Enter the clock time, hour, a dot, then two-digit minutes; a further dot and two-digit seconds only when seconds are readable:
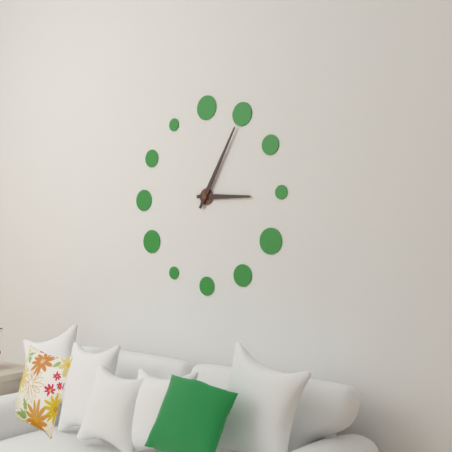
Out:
3.05
